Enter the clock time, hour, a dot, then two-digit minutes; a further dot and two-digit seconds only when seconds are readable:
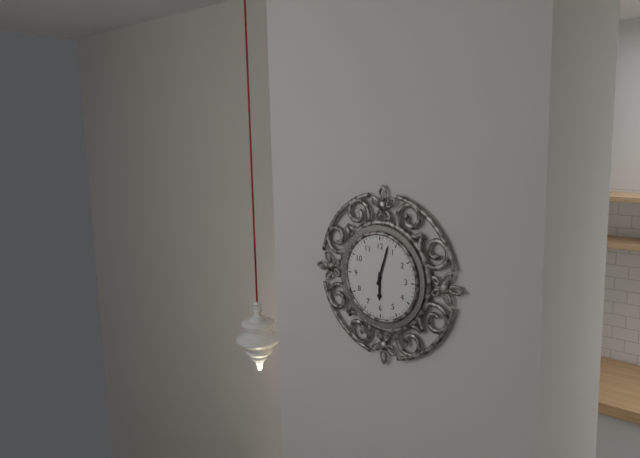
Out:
6.03
